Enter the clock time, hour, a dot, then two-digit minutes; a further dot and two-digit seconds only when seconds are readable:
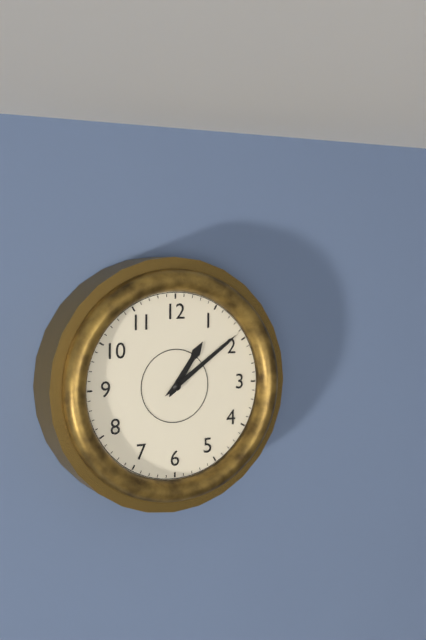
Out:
1.09
